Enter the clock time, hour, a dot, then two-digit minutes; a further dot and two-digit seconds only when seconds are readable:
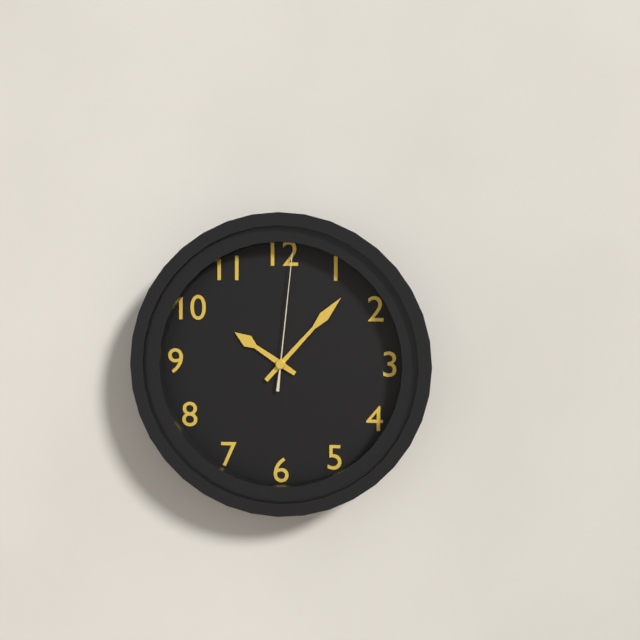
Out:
10.07.01
